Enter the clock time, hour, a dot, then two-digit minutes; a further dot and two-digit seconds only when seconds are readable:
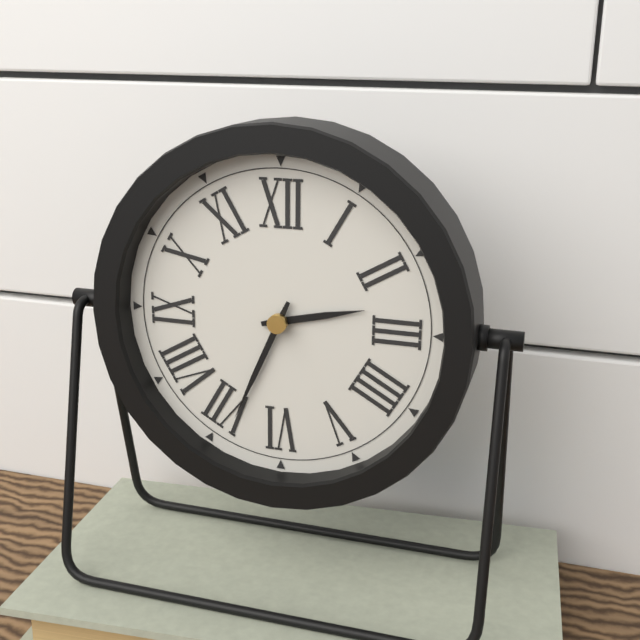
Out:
2.34
